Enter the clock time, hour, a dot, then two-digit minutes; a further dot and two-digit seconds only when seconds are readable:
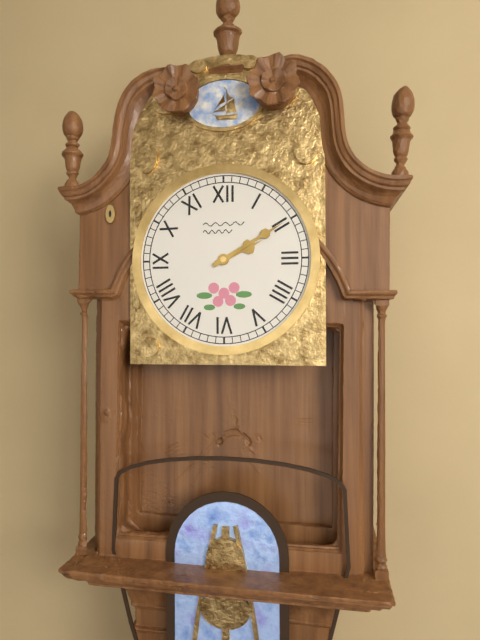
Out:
2.10
